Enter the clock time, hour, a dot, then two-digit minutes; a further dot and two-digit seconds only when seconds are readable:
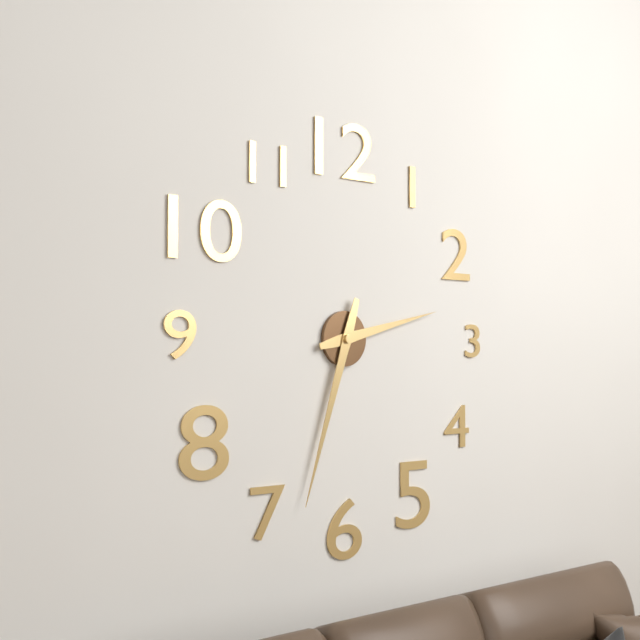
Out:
2.33
